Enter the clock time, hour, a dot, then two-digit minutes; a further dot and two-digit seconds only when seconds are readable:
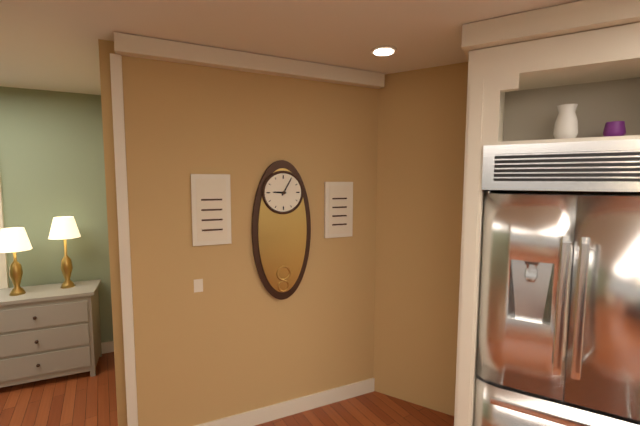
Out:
9.05
